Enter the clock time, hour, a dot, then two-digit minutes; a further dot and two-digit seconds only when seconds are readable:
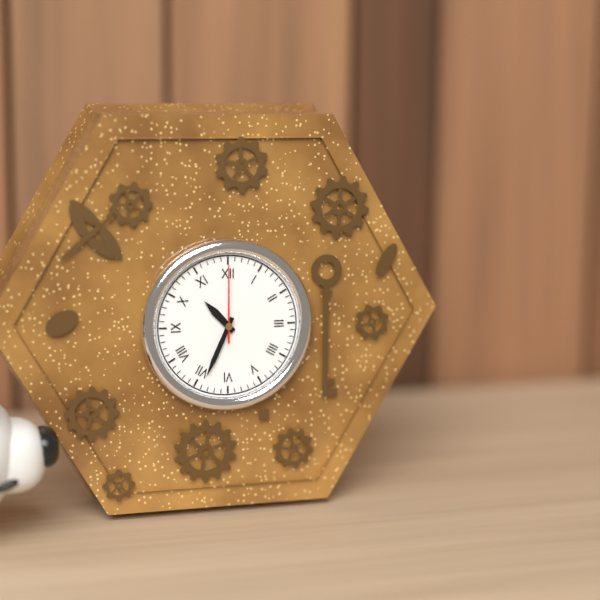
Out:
10.34.00
